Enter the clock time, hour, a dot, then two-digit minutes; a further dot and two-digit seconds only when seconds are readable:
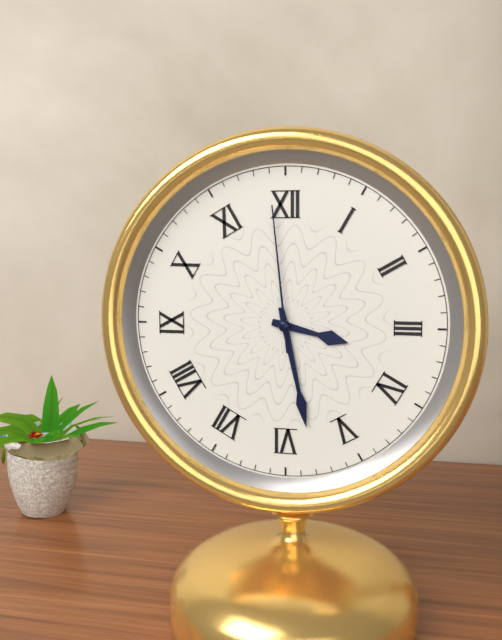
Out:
3.28.59
